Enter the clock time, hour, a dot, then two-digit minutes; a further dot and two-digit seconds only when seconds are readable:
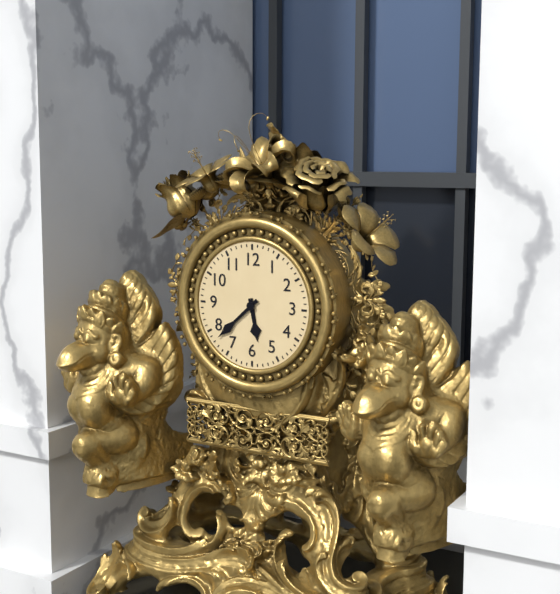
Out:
5.38
